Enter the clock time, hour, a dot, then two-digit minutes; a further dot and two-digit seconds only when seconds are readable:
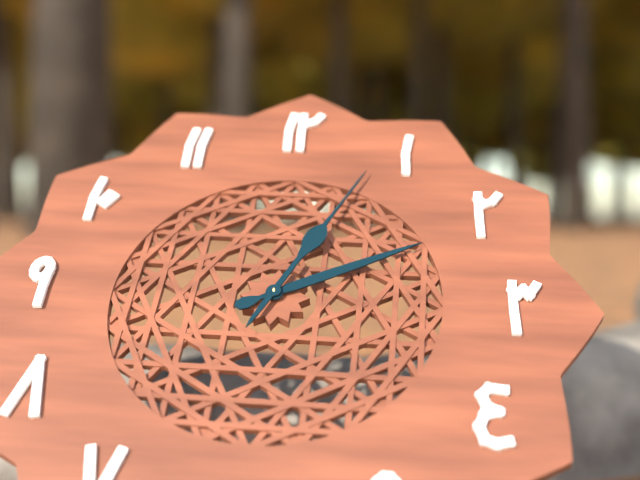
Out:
2.04
